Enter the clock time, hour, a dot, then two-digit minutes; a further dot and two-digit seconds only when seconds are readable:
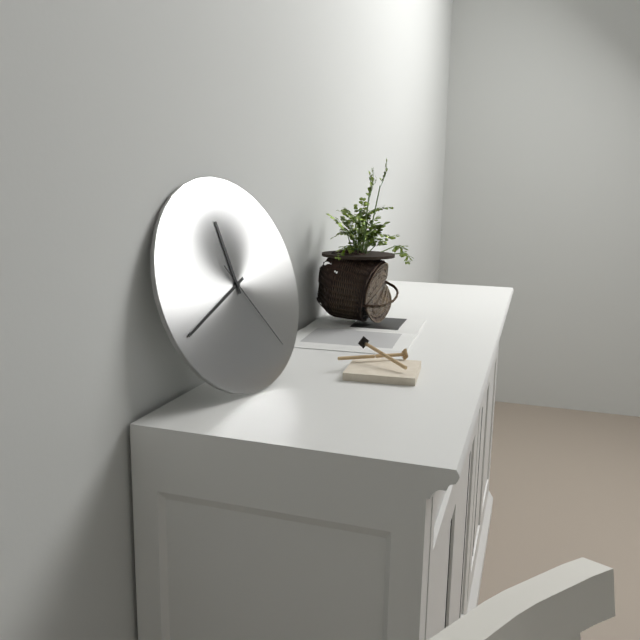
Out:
11.41.24
